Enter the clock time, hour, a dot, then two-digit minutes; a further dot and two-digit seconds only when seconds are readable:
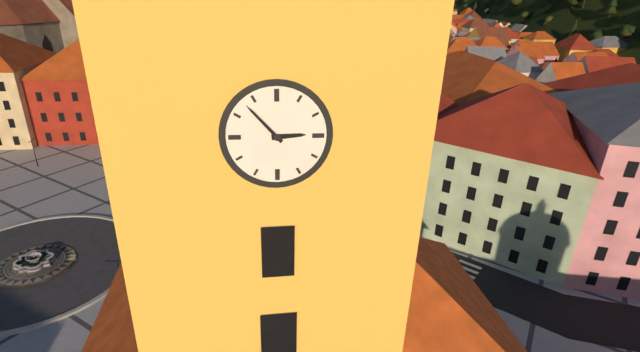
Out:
2.53
